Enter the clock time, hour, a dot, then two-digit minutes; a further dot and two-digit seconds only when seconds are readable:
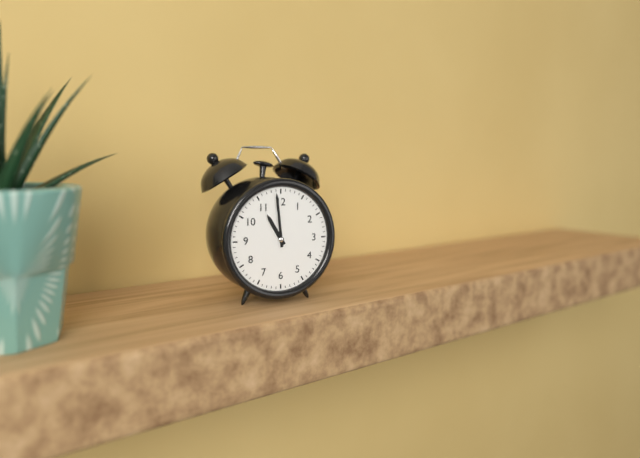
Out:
10.59
